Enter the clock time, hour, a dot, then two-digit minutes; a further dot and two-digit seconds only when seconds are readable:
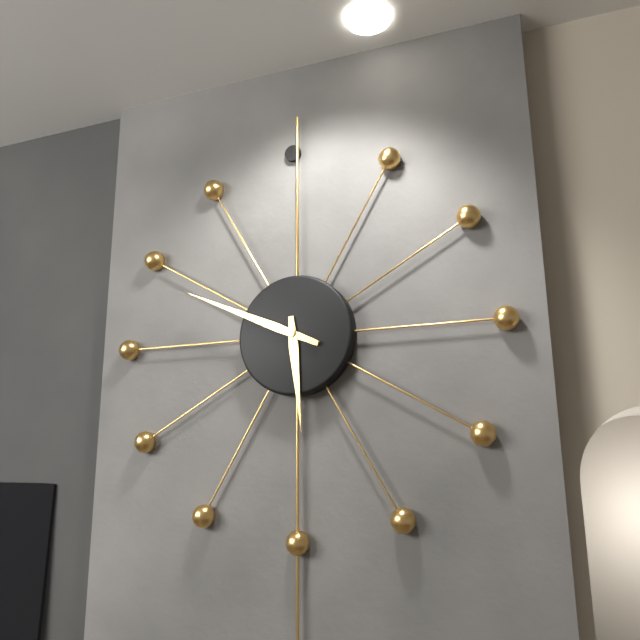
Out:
5.49
